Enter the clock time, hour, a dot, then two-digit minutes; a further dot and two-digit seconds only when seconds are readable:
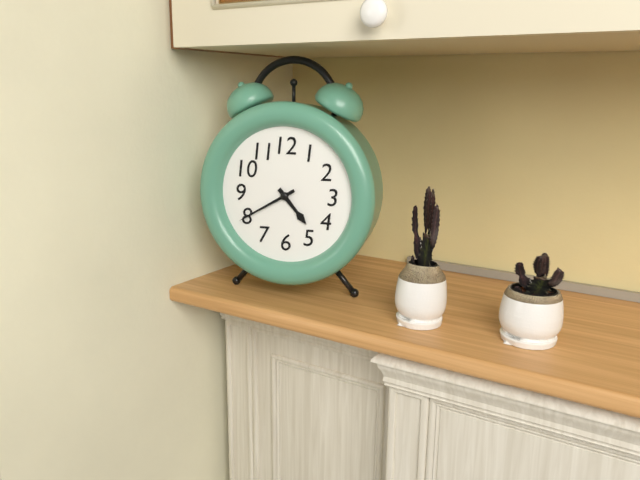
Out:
4.40
